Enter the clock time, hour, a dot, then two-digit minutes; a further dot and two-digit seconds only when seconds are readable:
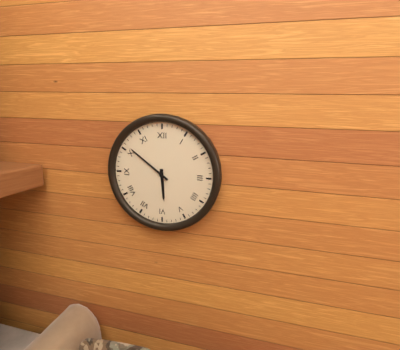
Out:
5.51
